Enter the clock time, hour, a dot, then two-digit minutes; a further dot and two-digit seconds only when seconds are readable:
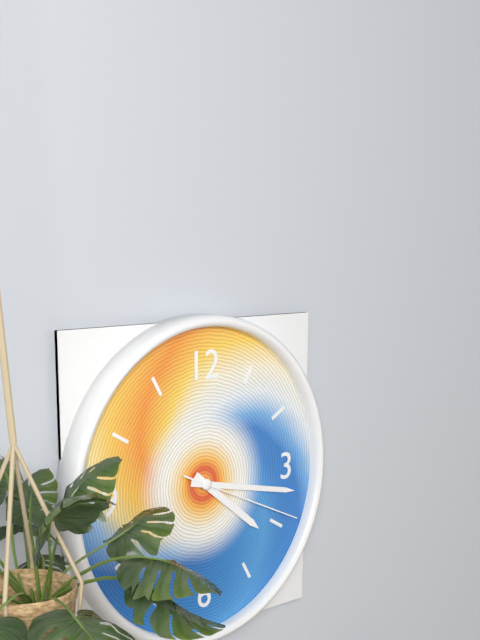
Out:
4.17.19
